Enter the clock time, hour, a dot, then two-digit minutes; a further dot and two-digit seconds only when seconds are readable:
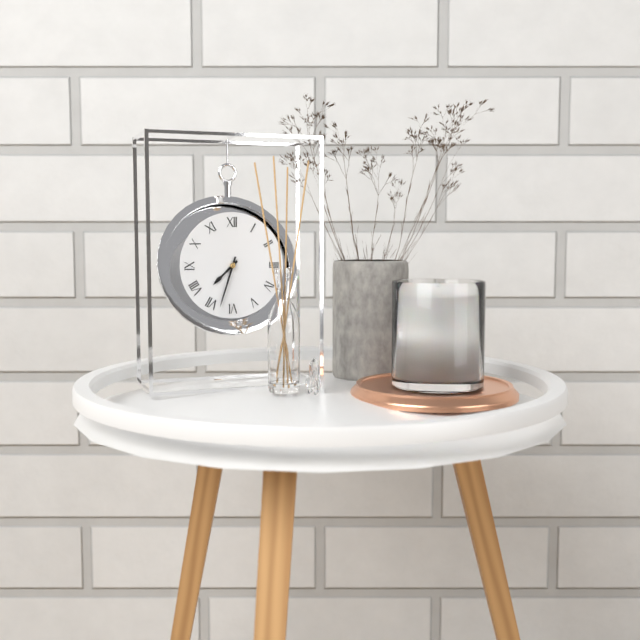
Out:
7.33
